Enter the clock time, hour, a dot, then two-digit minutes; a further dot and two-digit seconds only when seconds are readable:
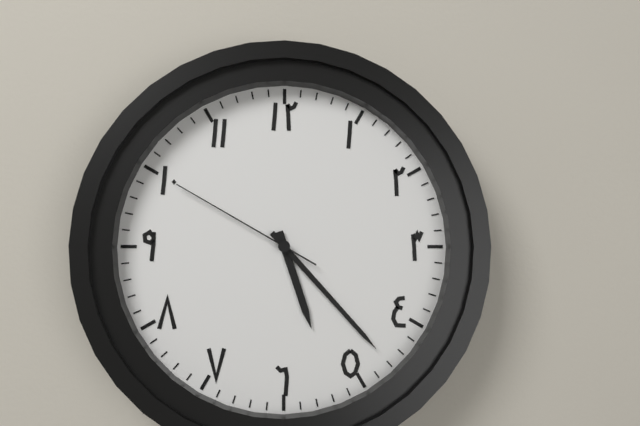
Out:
5.23.50
